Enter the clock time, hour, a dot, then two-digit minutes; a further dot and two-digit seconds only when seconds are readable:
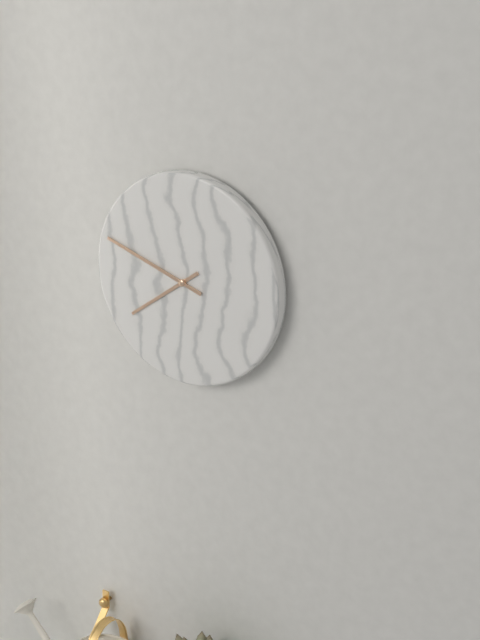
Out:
7.48
